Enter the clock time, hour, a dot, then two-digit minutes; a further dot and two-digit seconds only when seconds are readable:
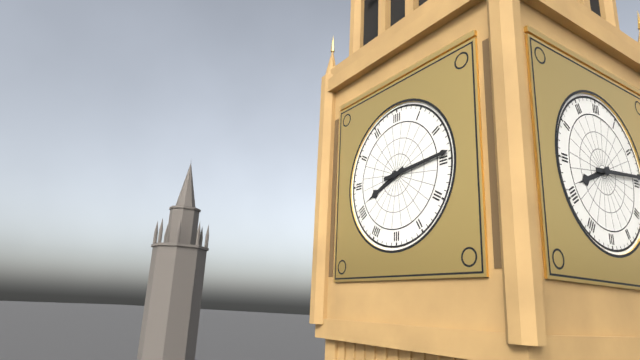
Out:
8.14
